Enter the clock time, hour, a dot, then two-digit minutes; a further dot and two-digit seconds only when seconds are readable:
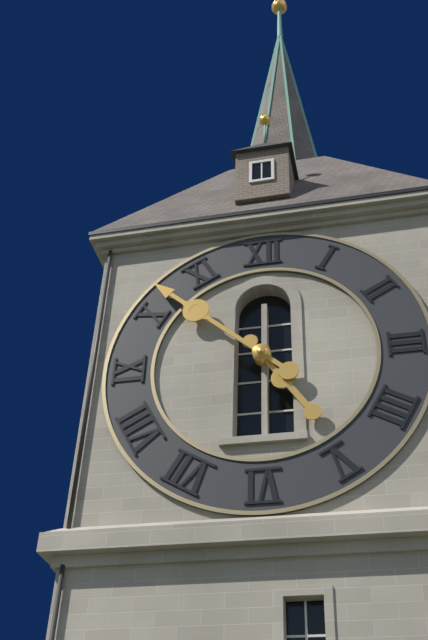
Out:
4.52
